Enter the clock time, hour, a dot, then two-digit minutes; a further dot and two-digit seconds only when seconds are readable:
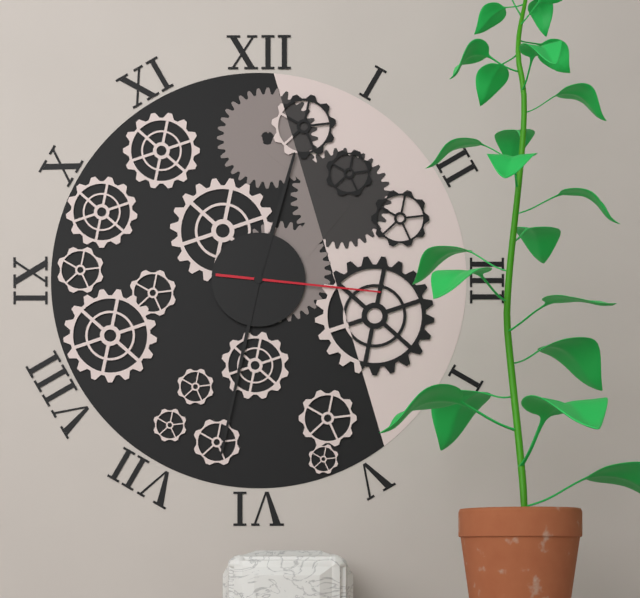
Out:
12.32.16
